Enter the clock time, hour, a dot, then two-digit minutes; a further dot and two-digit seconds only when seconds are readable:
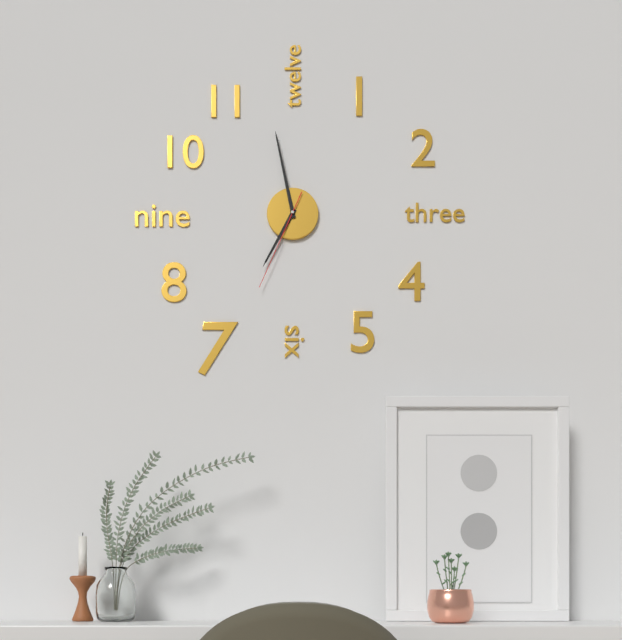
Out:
6.58.34
